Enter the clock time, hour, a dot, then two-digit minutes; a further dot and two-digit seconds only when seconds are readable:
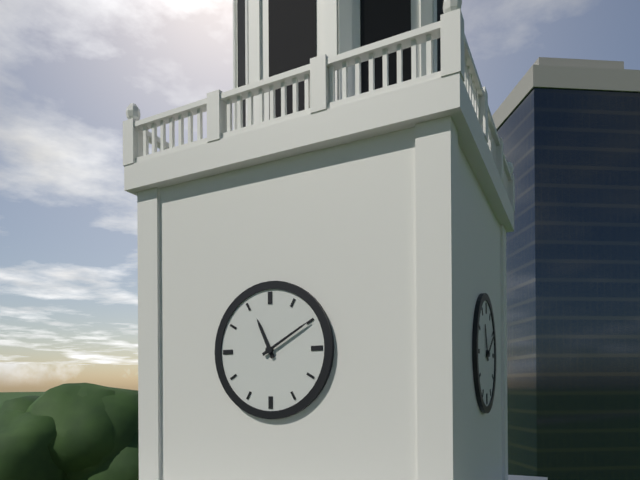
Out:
11.10
